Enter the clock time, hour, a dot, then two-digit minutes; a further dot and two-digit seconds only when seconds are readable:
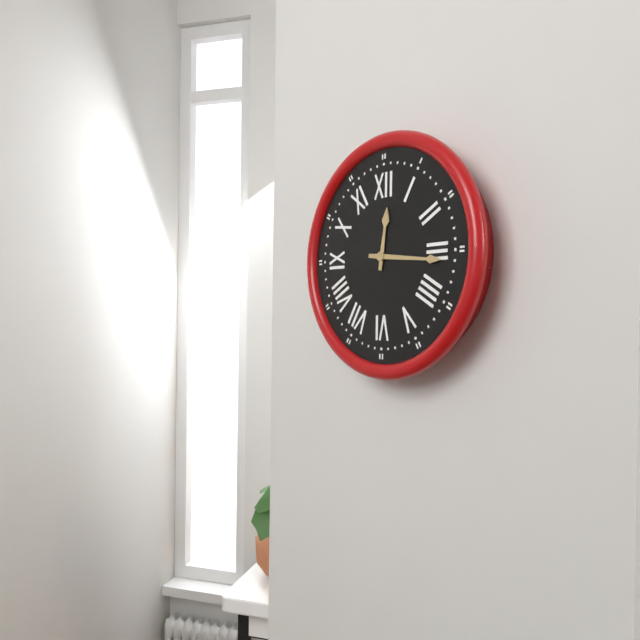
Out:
12.16
